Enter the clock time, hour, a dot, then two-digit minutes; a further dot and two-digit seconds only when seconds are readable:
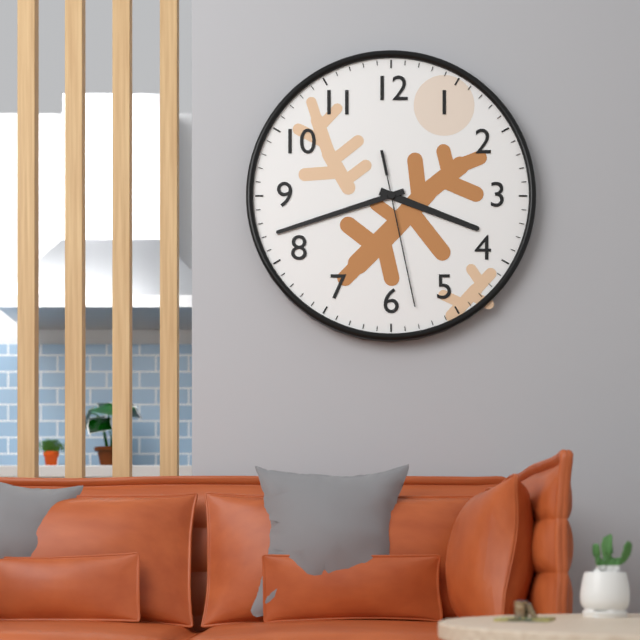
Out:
3.42.28
